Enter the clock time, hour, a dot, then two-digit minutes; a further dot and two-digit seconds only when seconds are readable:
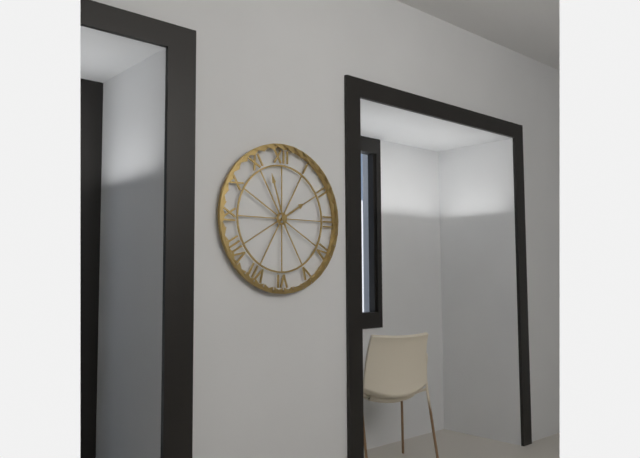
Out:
1.57
